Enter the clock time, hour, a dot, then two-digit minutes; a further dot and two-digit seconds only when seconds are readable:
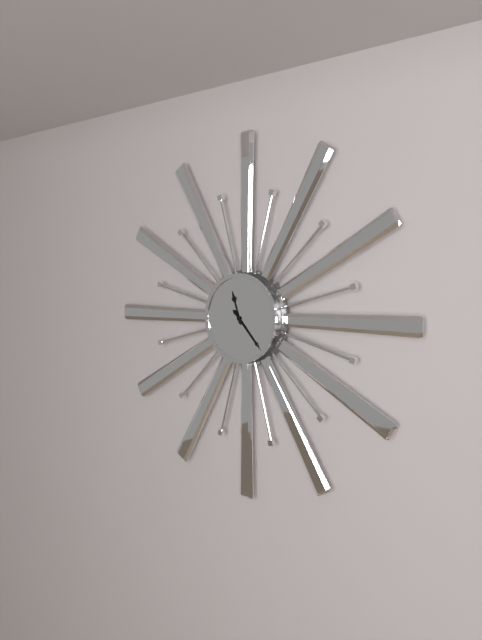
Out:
11.23
